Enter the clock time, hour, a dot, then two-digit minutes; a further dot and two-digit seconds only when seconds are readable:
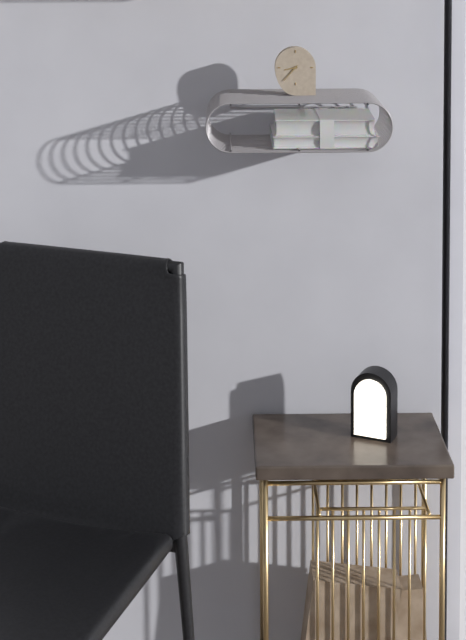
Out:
8.37
